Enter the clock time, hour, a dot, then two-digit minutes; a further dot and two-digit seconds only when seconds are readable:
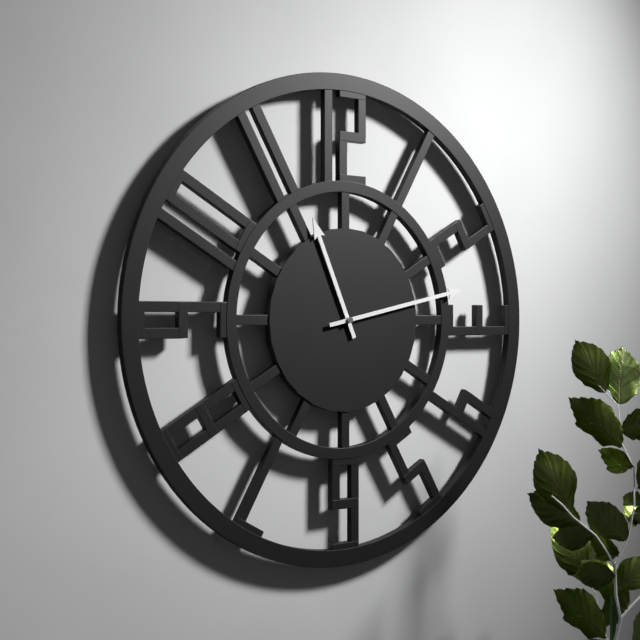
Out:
11.13
